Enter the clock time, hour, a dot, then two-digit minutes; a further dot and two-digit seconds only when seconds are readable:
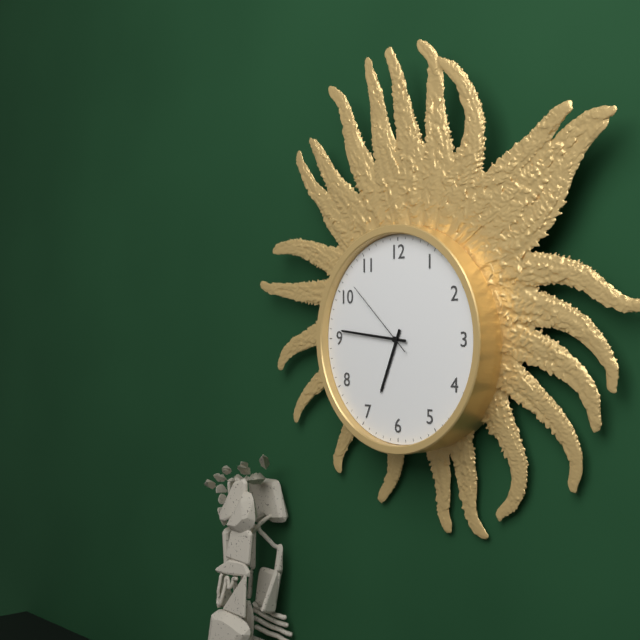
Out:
6.46.52
